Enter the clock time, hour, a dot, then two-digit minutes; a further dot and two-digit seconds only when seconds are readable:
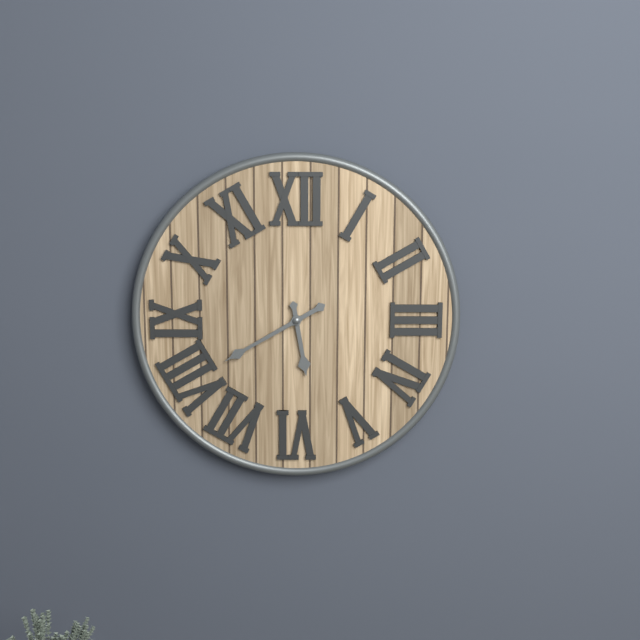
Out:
5.40
